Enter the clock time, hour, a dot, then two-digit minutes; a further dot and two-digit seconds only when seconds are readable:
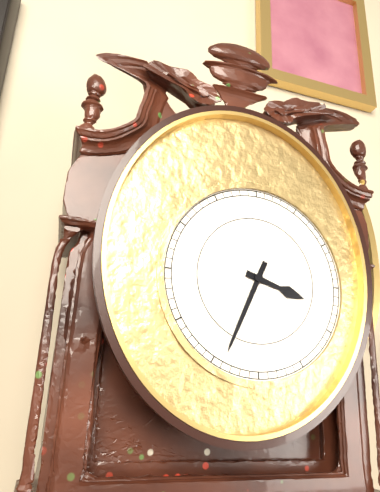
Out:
3.34
